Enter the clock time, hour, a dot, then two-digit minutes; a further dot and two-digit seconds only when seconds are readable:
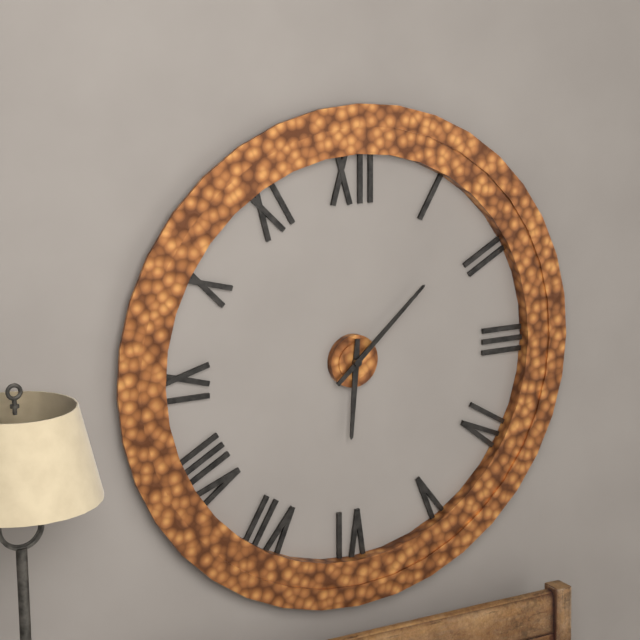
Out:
6.08
